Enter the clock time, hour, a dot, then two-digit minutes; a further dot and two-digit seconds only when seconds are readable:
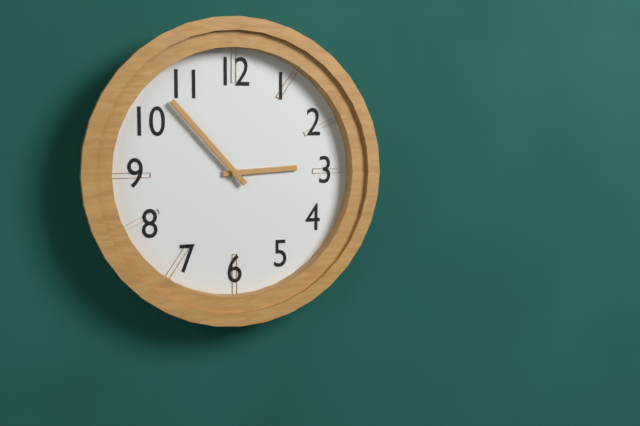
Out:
2.53
